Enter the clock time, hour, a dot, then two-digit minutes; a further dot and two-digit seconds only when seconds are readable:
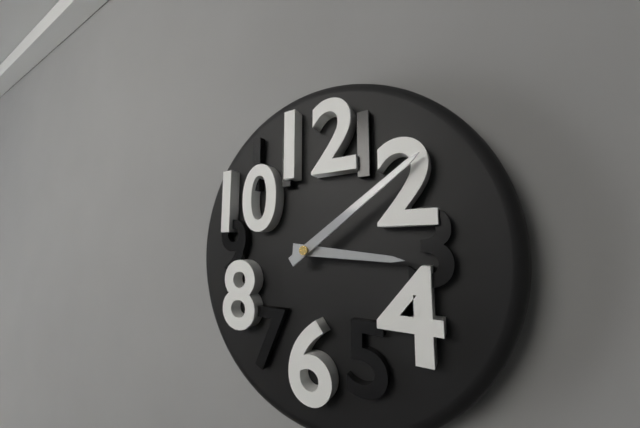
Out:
3.09
